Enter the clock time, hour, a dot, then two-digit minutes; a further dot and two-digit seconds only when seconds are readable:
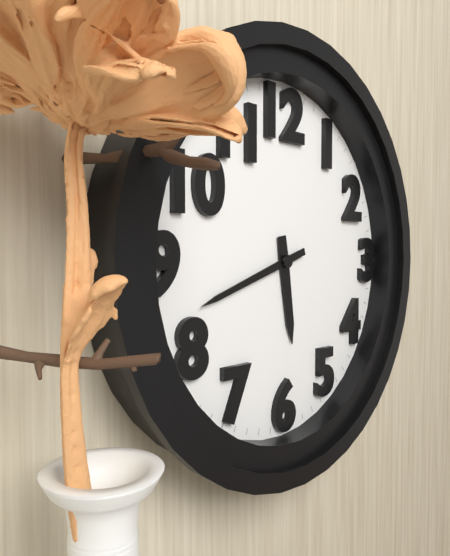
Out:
5.42
